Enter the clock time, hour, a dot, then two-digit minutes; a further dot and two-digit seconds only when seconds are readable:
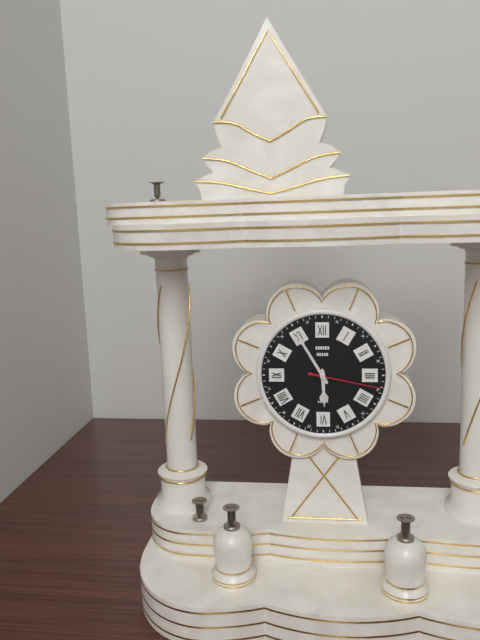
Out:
5.55.17
